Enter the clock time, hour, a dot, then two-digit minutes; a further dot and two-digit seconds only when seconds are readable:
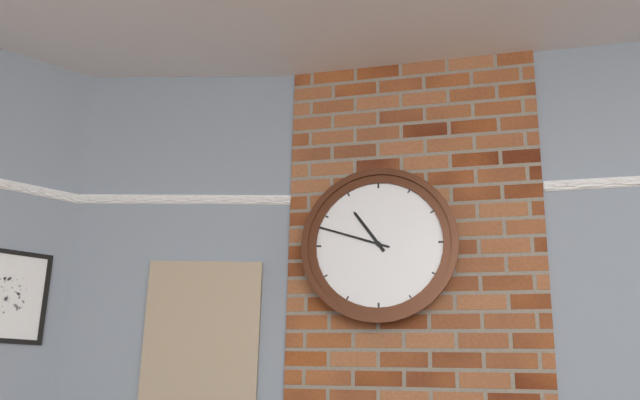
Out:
10.48
